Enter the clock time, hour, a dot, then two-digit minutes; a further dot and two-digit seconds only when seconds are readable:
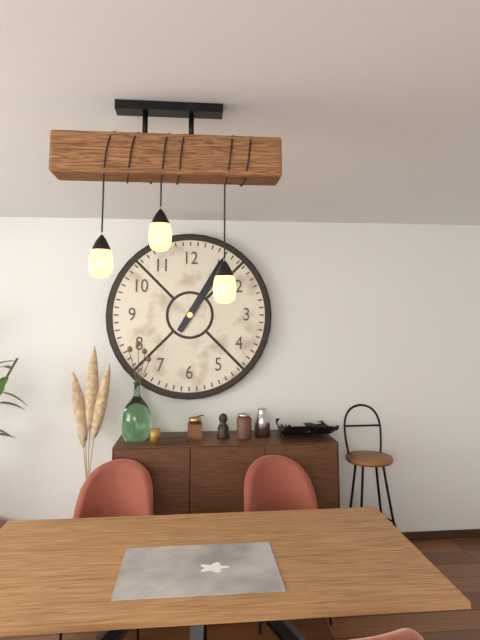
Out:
1.05
